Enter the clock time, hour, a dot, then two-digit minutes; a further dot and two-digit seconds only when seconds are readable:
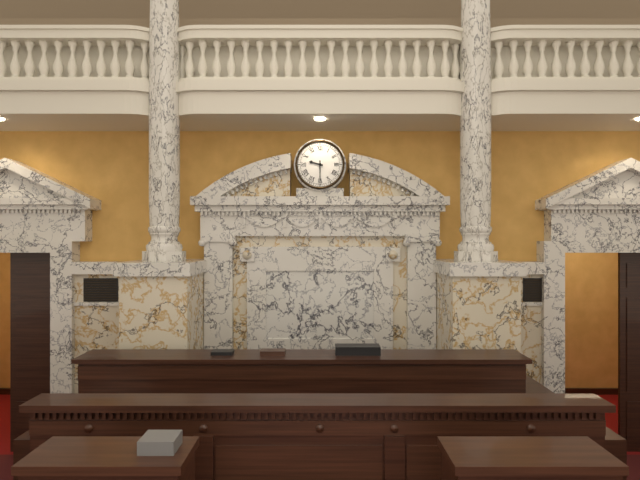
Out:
9.30
